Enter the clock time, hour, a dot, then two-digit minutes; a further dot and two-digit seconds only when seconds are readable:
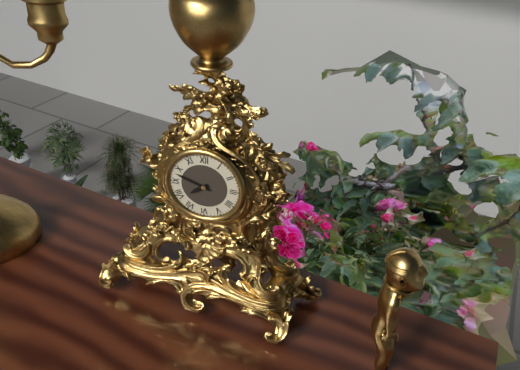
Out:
7.48
